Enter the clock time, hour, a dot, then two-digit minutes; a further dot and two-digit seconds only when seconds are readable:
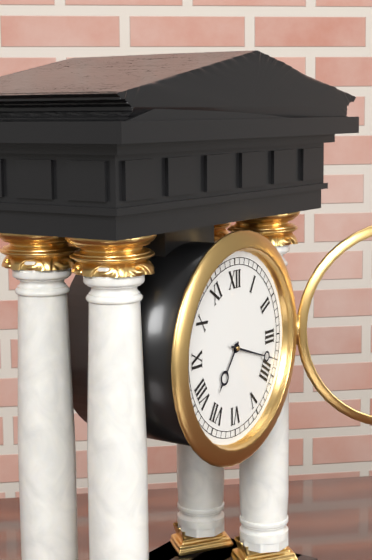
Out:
7.18
